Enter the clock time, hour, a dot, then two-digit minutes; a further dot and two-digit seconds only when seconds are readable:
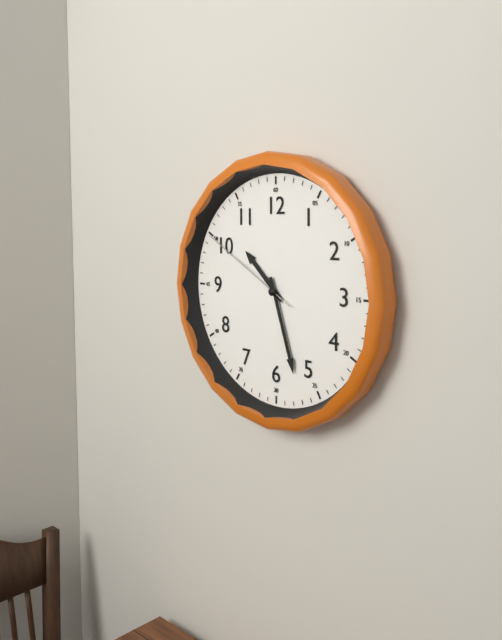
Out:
10.27.50
